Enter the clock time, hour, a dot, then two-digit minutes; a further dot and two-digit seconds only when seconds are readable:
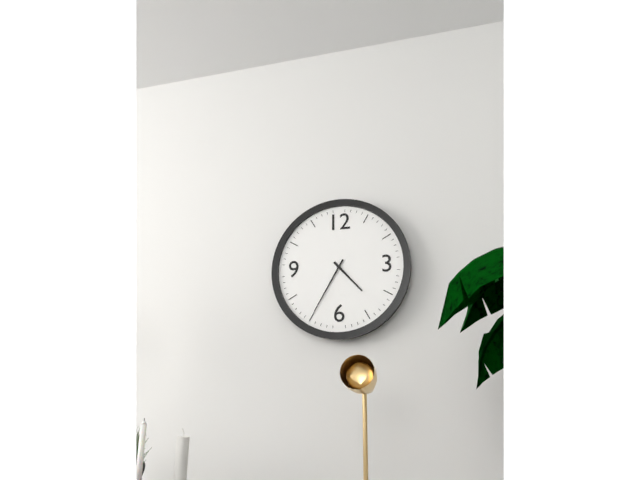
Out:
4.35
